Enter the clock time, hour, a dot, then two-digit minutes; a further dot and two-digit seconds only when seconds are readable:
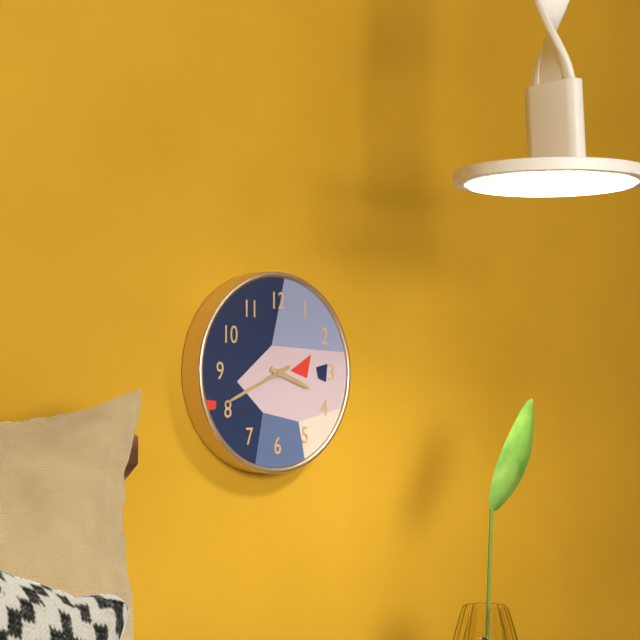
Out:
3.41
